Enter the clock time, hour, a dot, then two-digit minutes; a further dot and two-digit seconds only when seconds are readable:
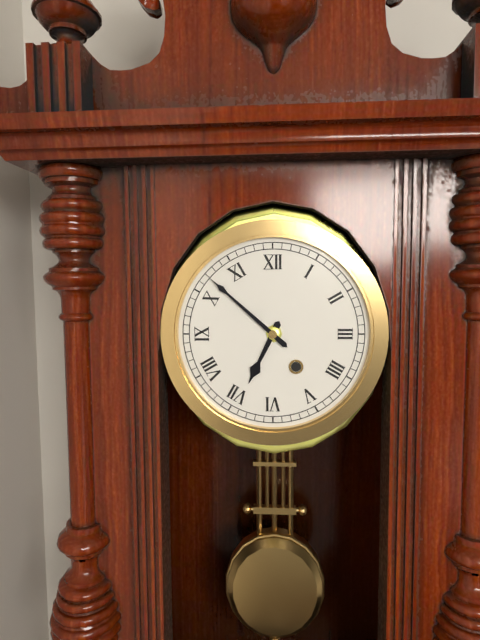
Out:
6.52
